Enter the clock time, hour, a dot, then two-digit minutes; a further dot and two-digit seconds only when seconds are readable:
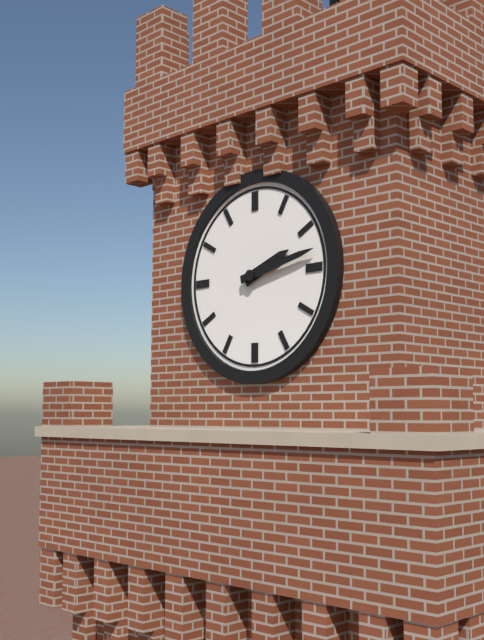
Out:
2.13
